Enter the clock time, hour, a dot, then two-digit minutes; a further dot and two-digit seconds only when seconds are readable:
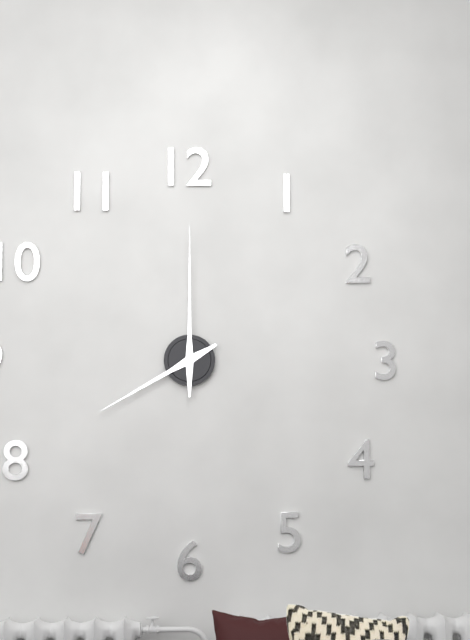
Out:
8.00
